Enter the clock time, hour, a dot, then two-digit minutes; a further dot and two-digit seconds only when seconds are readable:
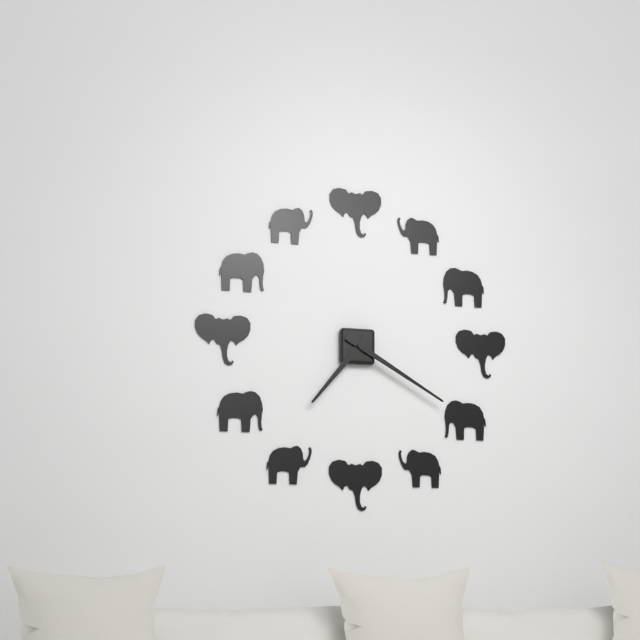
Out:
7.20
